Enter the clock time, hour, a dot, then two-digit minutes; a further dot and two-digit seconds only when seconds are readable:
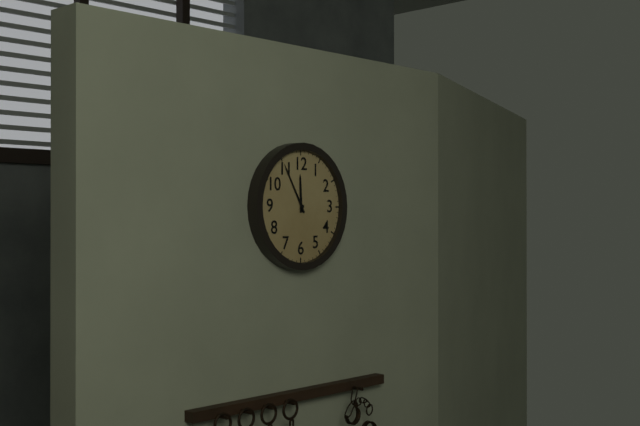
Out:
11.55
